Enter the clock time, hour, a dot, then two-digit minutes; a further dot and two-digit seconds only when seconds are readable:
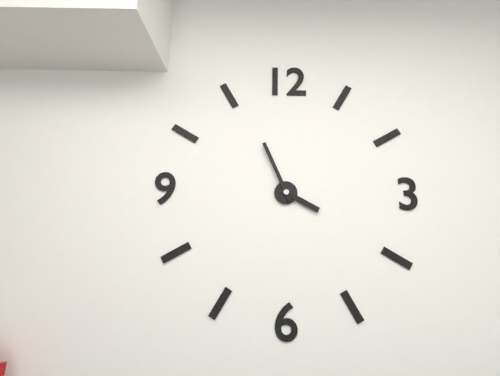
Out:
3.56
